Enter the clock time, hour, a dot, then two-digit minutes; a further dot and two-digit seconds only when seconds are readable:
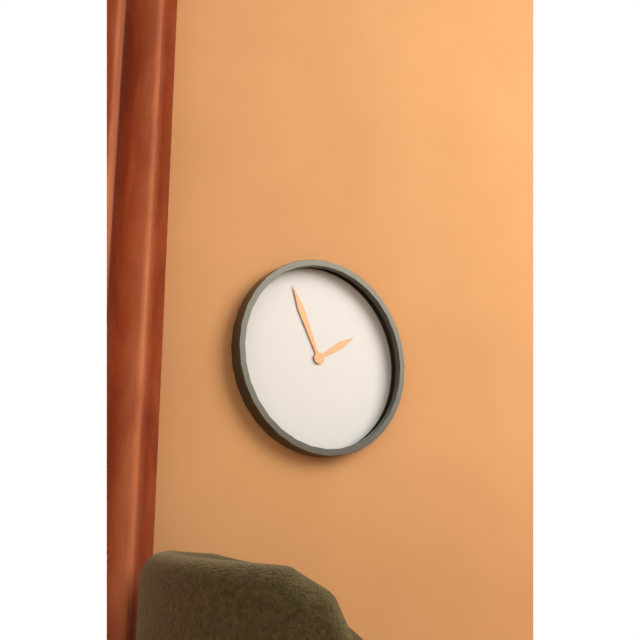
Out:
1.56
